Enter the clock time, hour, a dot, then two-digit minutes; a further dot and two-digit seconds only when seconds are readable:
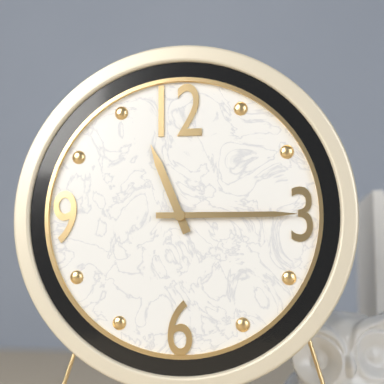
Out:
11.15
